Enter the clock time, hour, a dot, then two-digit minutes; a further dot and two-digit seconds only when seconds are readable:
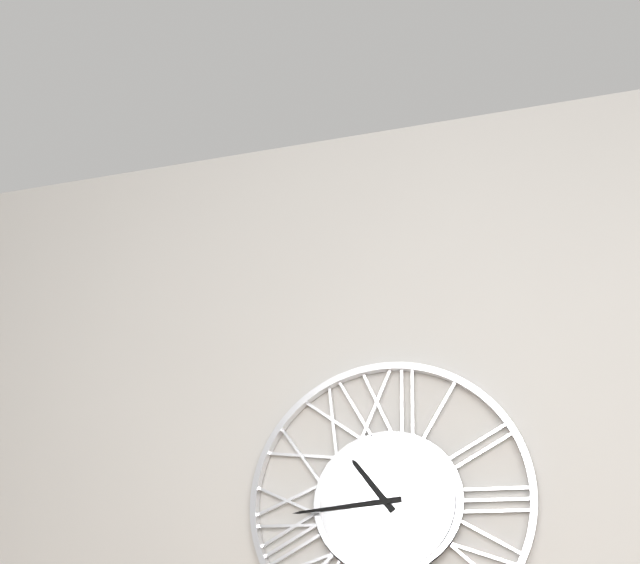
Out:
10.44
